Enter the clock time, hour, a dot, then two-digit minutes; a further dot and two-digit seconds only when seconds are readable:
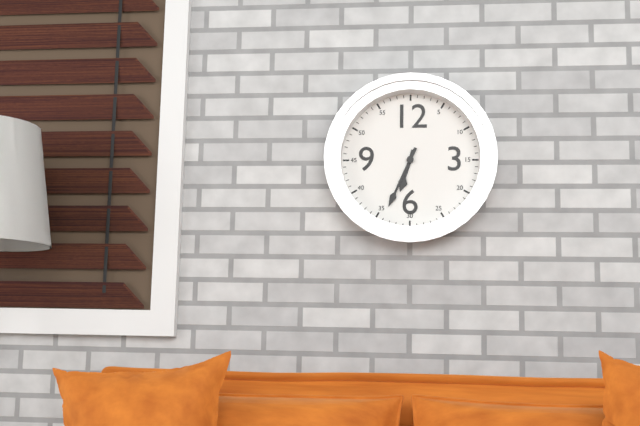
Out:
6.34
